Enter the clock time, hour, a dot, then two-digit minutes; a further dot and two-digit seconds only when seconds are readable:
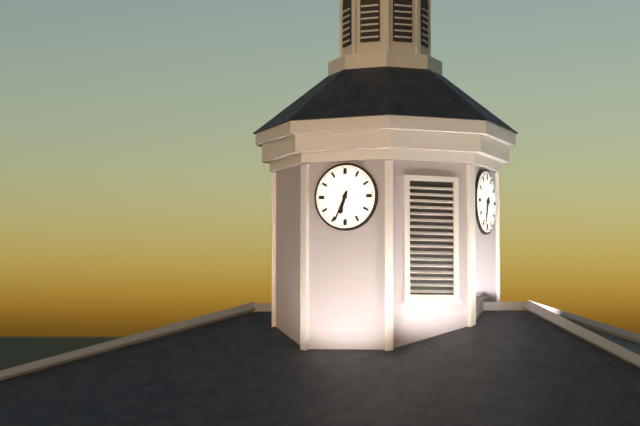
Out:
6.34
